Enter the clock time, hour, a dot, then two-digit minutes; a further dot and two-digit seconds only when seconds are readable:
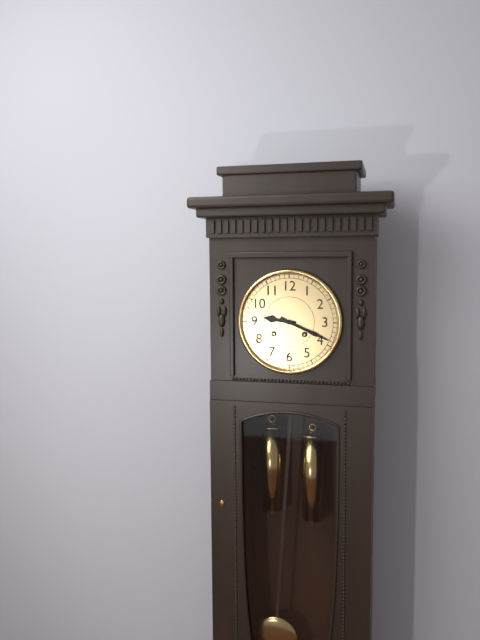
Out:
9.19
